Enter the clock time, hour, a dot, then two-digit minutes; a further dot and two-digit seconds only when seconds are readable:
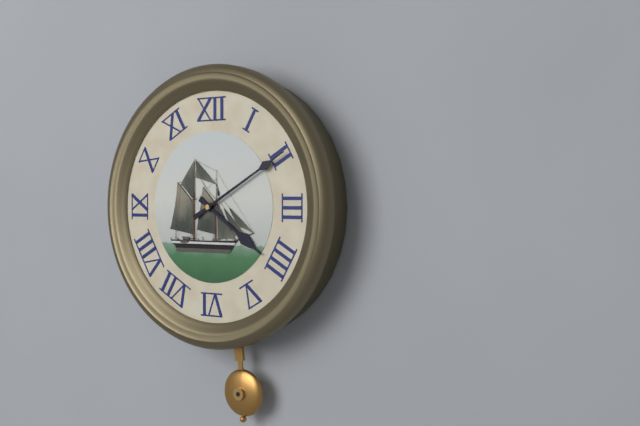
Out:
4.10
